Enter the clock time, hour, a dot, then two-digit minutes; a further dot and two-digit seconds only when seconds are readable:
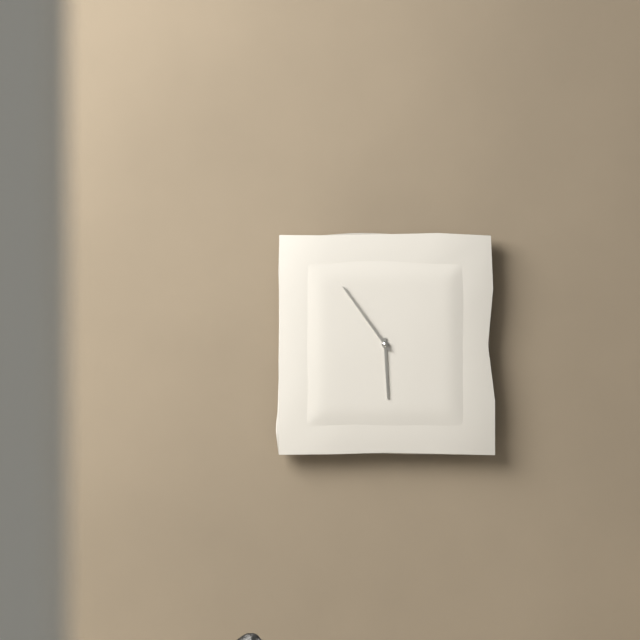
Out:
5.54
